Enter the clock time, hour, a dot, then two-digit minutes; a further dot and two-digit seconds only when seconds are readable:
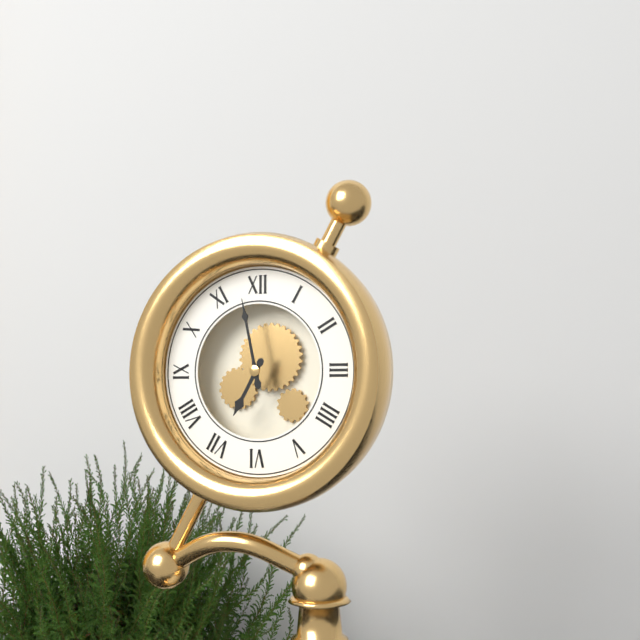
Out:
6.58
